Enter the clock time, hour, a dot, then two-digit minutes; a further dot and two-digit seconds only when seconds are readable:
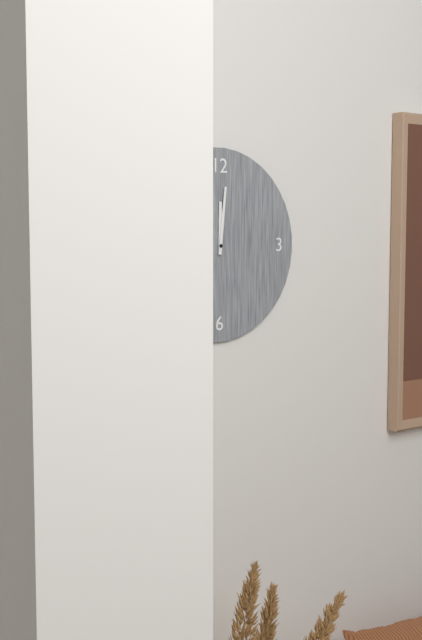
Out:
12.01
